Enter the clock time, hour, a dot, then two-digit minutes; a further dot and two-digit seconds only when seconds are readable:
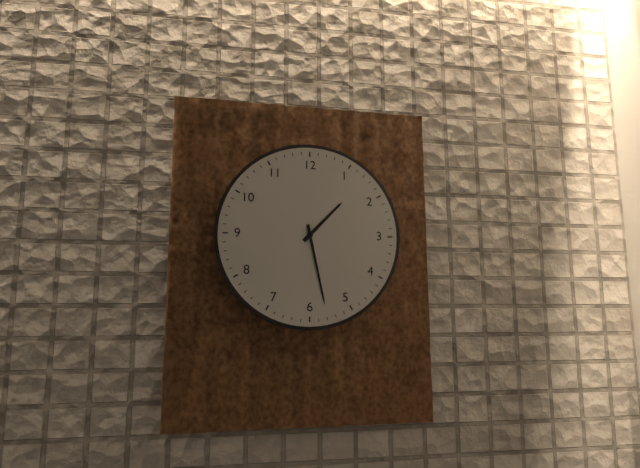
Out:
1.28
